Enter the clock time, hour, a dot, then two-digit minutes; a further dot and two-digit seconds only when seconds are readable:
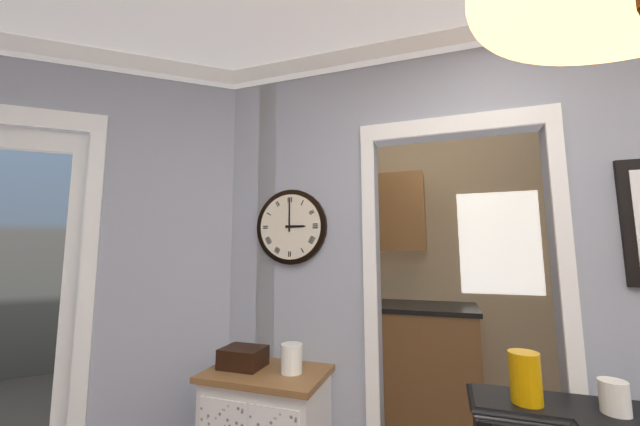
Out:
3.00
